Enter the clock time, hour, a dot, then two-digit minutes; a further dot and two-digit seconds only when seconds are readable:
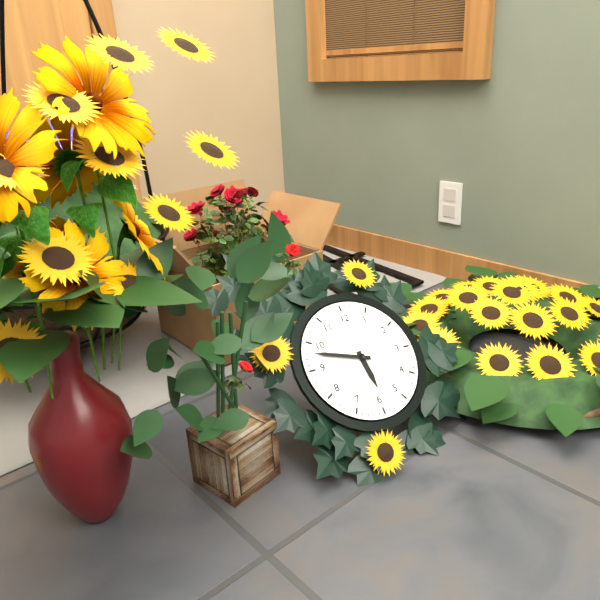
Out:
5.48
